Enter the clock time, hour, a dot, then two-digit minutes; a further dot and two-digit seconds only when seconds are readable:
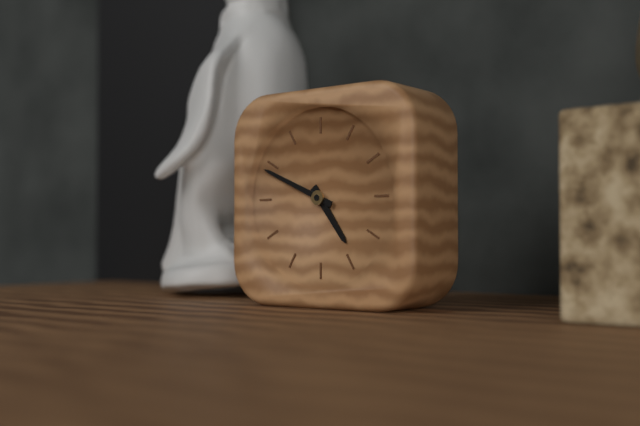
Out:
4.49
